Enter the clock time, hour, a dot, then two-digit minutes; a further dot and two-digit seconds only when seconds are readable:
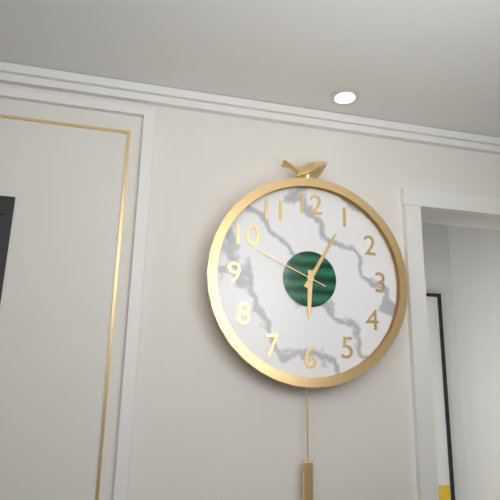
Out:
6.05.49
